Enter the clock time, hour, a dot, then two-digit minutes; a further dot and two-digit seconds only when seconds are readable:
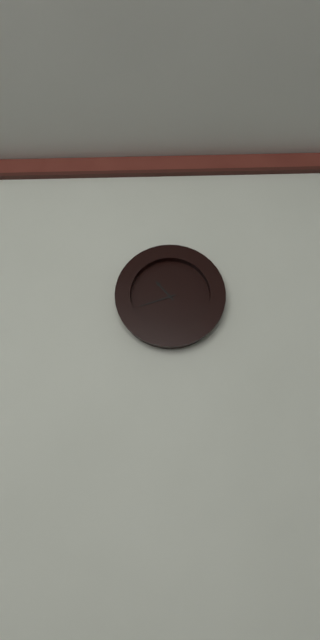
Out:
10.42
